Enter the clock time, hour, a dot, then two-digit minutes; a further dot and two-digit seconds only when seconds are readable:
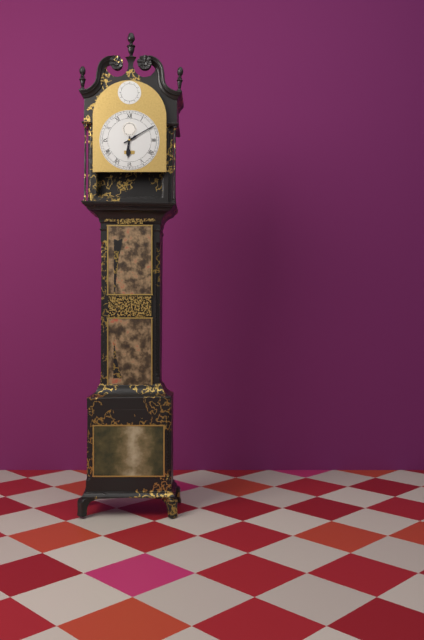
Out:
6.10
